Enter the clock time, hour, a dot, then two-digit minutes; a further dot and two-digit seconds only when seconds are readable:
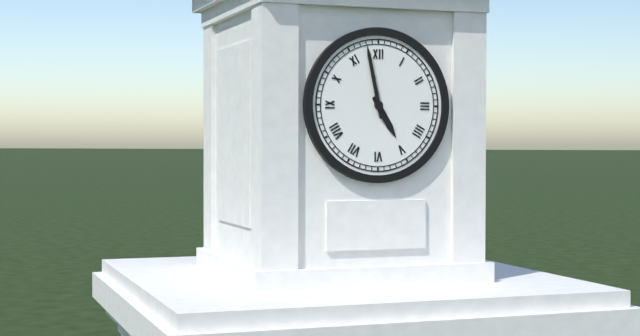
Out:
4.58
